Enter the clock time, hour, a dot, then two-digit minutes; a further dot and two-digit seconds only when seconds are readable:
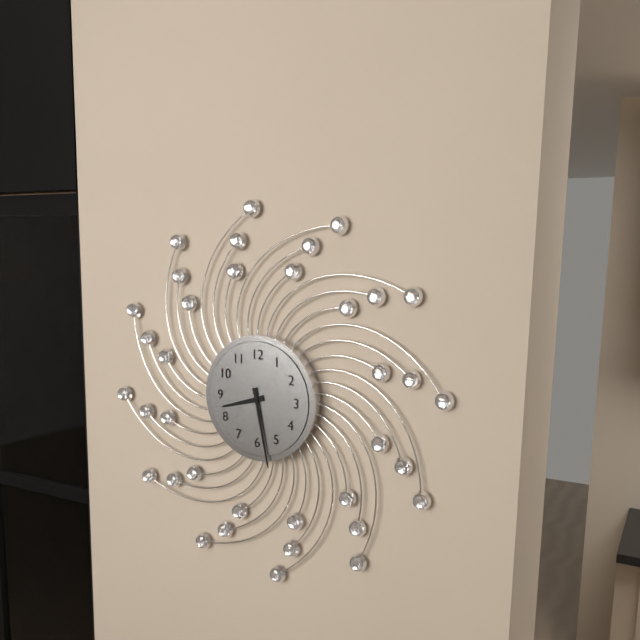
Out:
8.28
